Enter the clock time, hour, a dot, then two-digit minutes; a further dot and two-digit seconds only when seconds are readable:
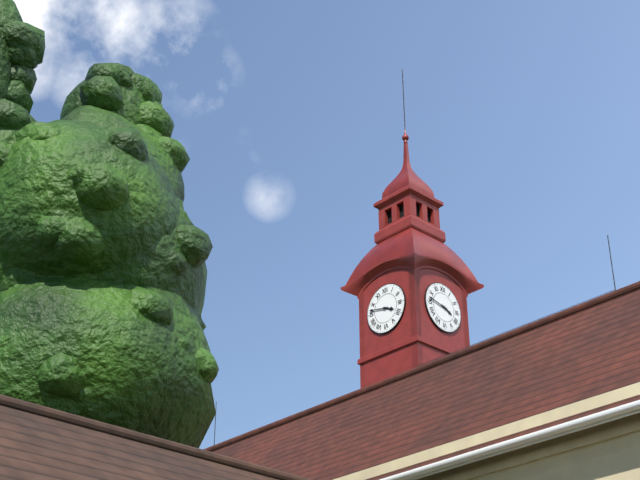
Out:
3.47
